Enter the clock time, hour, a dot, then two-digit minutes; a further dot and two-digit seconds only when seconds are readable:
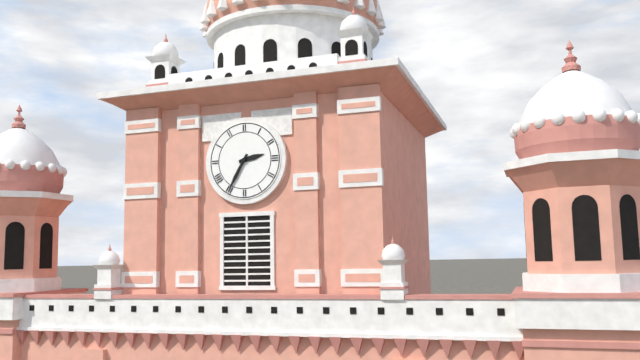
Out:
2.35
